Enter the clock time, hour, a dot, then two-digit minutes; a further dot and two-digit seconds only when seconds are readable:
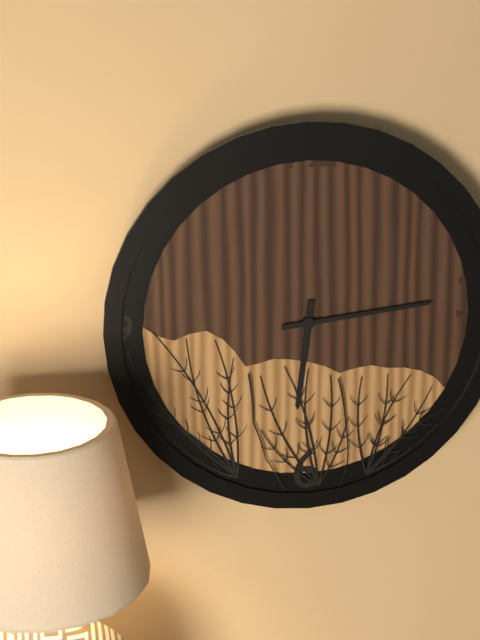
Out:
6.14
